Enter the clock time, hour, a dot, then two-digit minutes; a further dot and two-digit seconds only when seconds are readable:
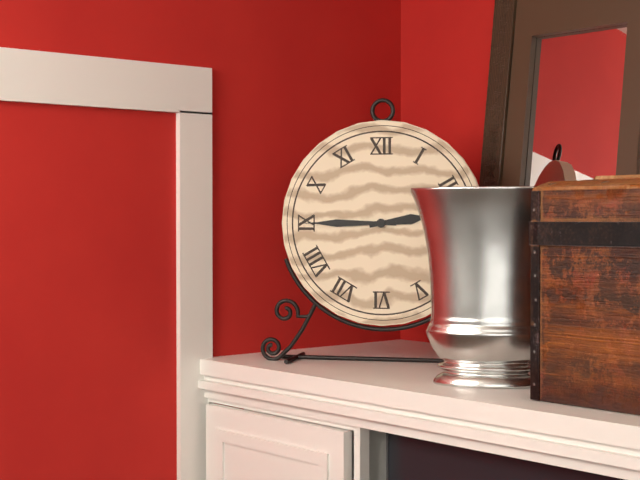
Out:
2.45
